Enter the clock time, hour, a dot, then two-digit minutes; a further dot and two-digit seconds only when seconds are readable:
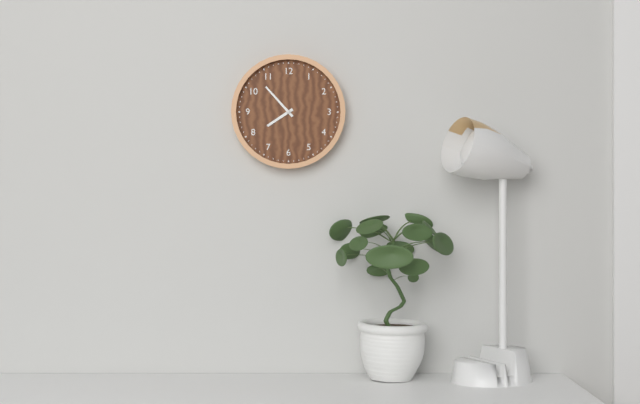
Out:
7.53
